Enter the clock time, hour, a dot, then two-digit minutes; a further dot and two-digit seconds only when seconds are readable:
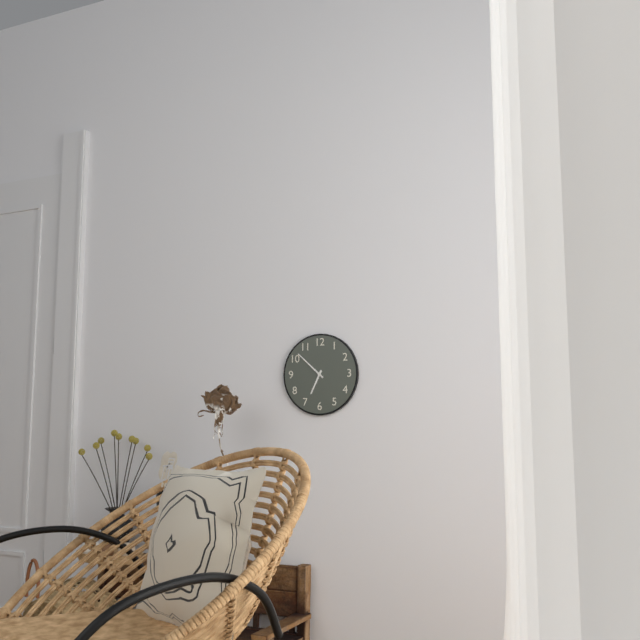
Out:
6.52
